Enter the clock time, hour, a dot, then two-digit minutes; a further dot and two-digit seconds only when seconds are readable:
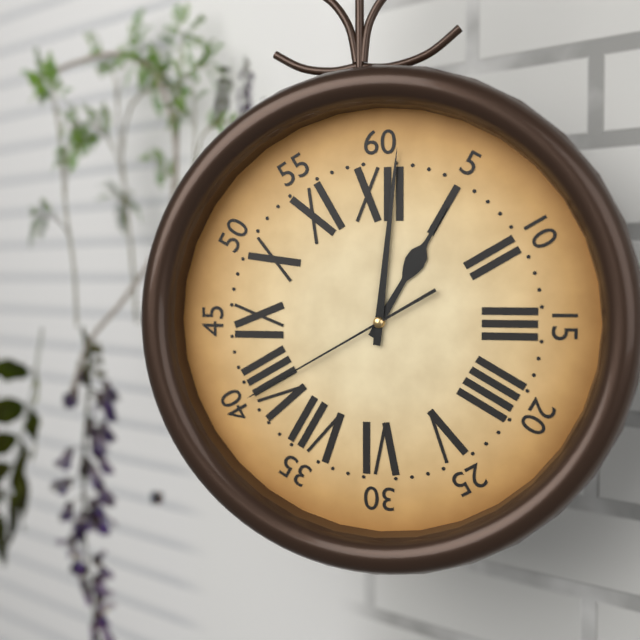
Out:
1.01.40
